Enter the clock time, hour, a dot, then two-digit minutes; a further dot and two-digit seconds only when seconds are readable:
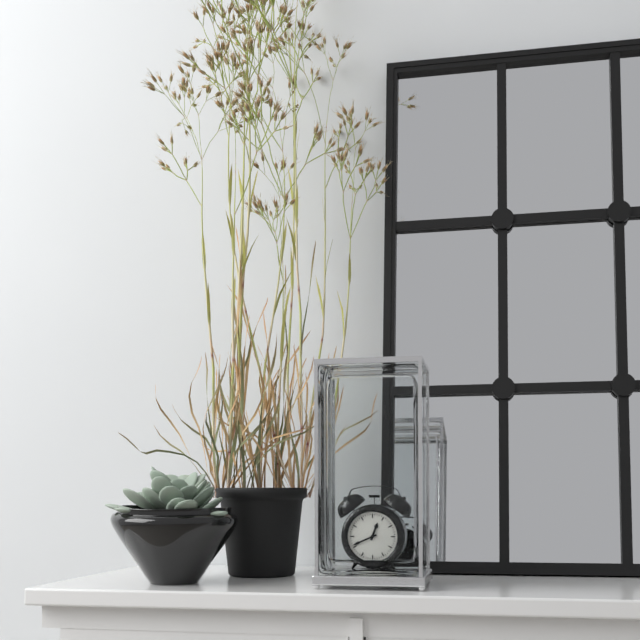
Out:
12.41
